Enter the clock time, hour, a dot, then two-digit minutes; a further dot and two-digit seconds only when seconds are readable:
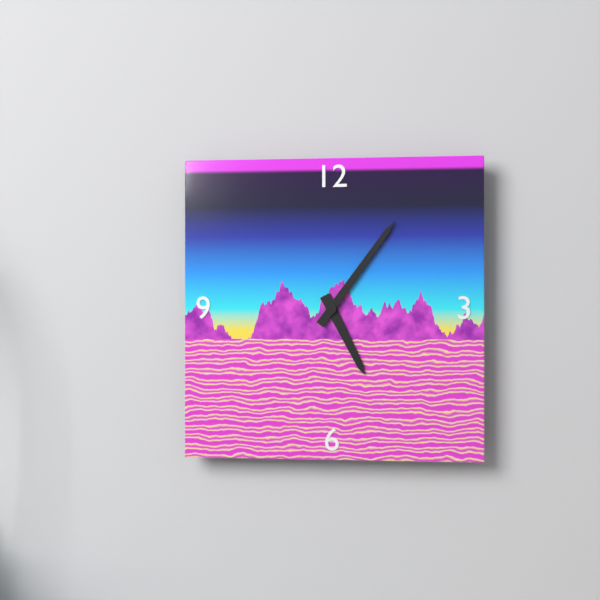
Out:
5.06
